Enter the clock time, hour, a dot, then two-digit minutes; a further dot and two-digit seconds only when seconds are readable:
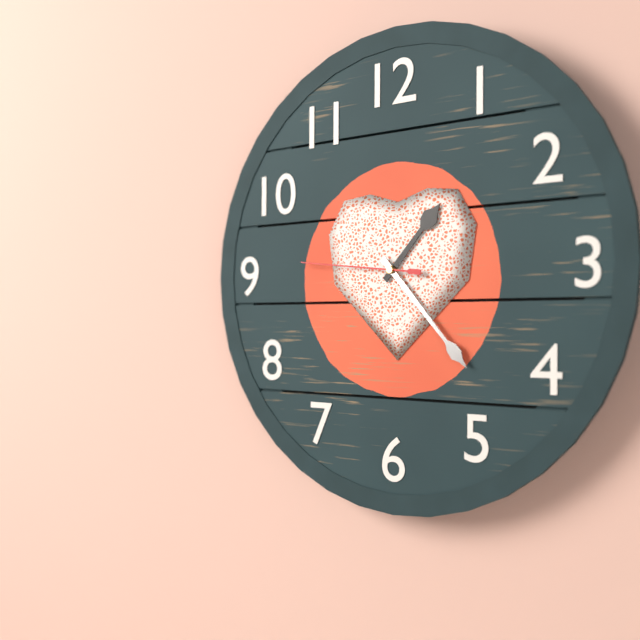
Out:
1.23.46
